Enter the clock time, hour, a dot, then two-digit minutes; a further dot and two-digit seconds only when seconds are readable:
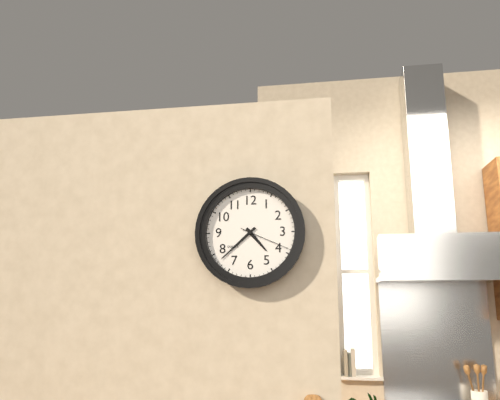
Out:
4.38.19
